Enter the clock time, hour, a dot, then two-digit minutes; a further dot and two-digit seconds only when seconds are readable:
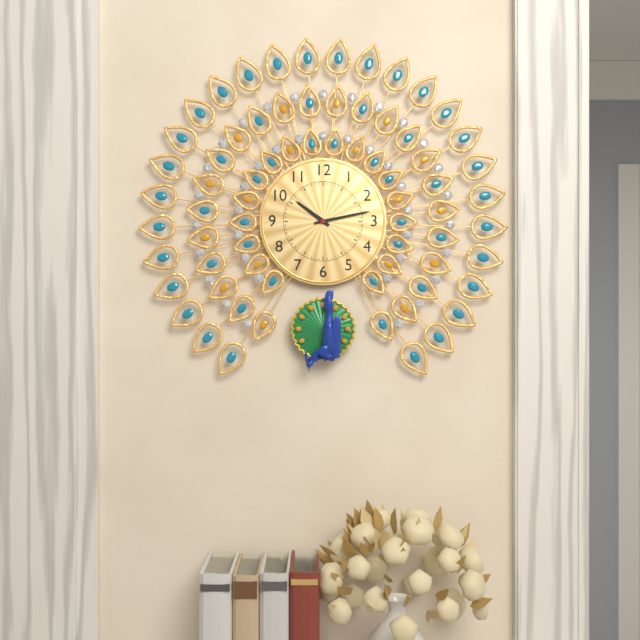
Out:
10.13
